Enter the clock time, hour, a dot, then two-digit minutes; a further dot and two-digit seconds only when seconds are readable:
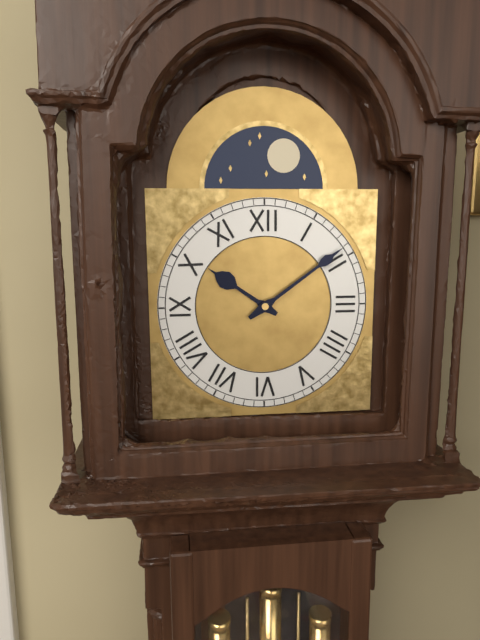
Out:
10.09
